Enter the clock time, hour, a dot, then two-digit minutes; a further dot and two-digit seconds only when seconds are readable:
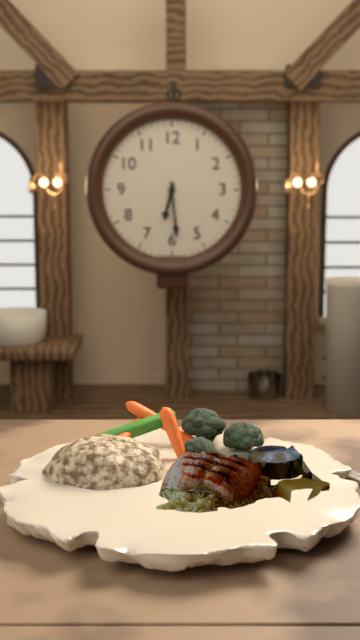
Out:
6.29
